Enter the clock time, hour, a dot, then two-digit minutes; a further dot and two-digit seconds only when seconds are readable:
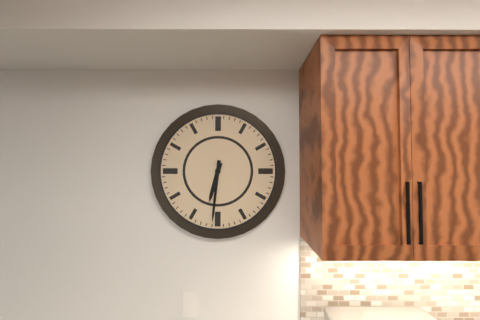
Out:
6.31
